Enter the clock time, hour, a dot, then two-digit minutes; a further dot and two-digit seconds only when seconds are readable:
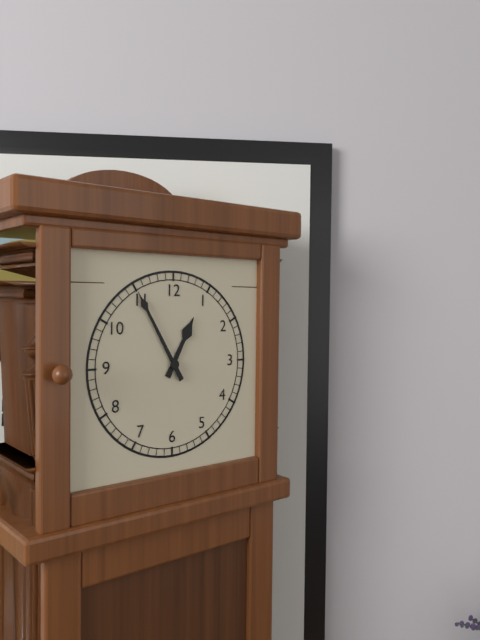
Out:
12.55
